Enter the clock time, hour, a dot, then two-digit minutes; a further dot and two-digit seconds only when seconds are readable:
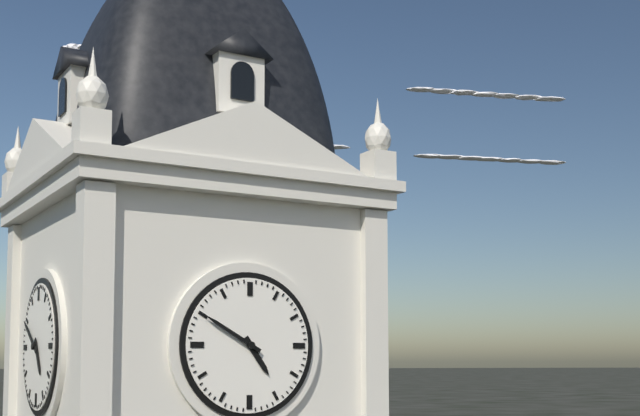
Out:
4.50
